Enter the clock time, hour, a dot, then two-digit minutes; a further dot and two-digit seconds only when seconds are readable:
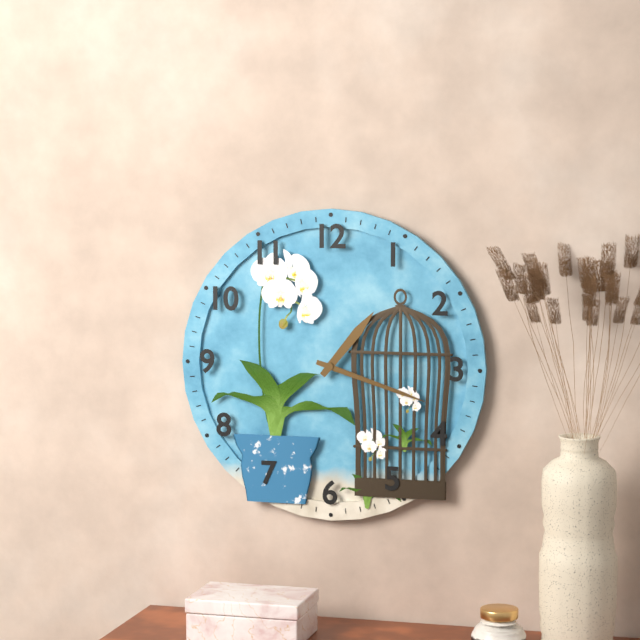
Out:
1.18
